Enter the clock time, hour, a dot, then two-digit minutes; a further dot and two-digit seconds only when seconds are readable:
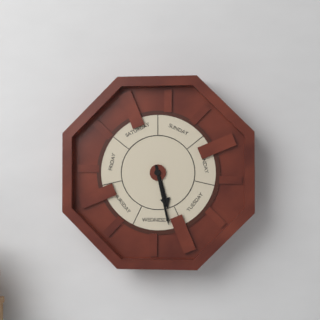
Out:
5.28
